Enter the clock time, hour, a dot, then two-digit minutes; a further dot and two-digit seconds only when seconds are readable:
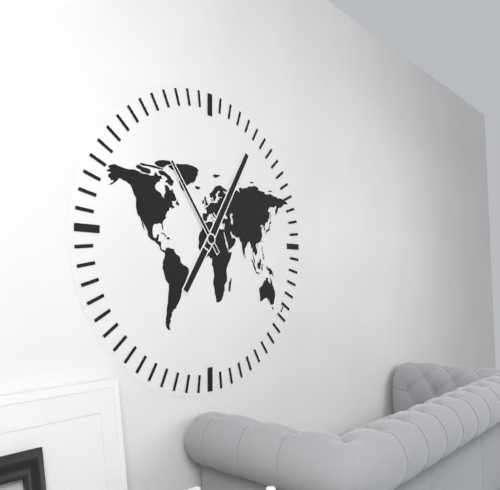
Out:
7.05.54
